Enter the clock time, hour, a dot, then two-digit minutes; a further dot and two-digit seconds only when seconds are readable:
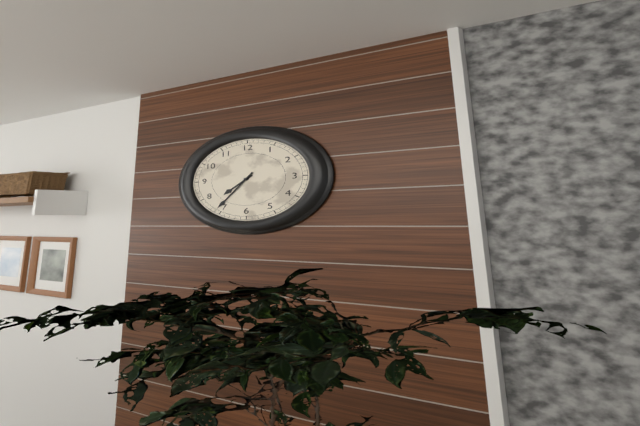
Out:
7.36
